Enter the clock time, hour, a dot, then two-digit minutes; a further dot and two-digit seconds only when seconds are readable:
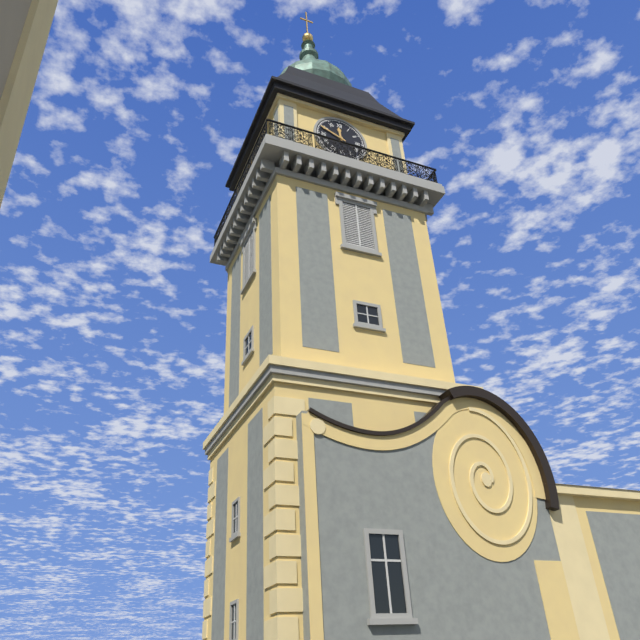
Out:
11.49
